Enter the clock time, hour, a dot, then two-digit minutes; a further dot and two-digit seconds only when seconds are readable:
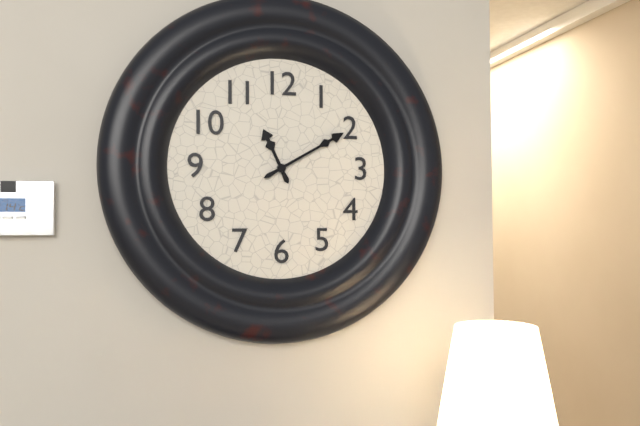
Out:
11.10
